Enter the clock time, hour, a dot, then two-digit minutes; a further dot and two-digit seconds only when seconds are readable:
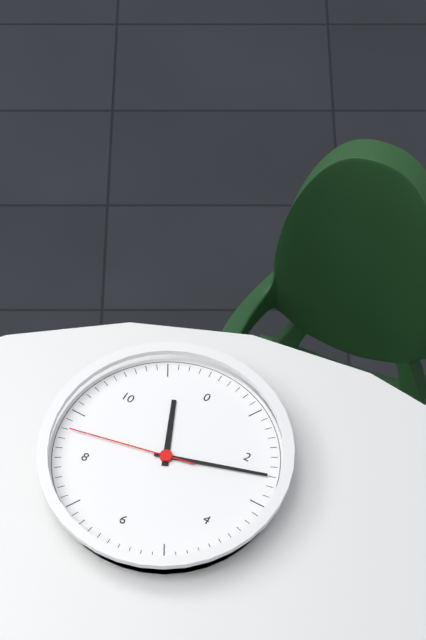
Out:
11.12.43
